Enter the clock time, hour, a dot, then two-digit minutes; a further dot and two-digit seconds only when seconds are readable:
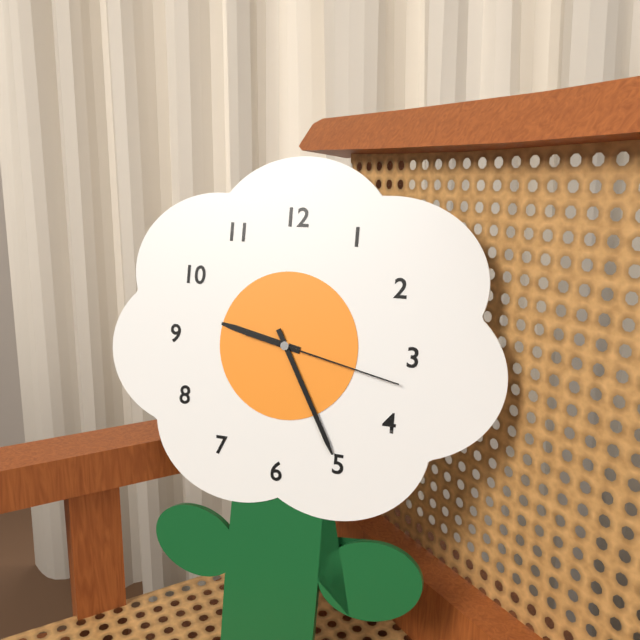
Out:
9.25.17
